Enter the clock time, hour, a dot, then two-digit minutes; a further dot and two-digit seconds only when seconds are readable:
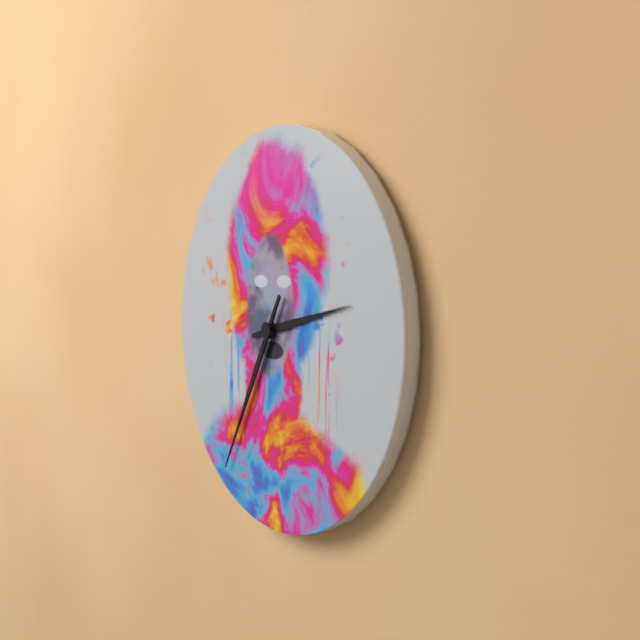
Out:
2.35
